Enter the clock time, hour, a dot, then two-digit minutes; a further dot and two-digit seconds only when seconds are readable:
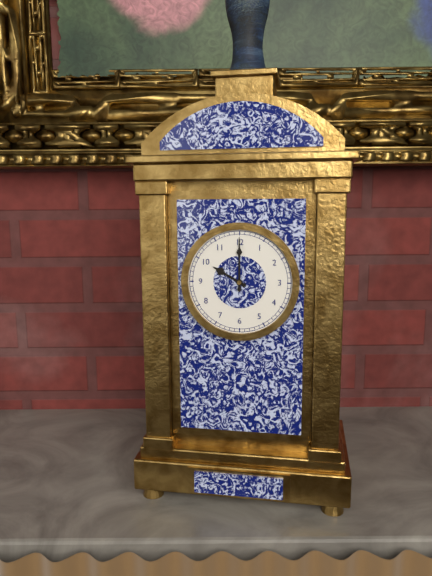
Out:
10.00
